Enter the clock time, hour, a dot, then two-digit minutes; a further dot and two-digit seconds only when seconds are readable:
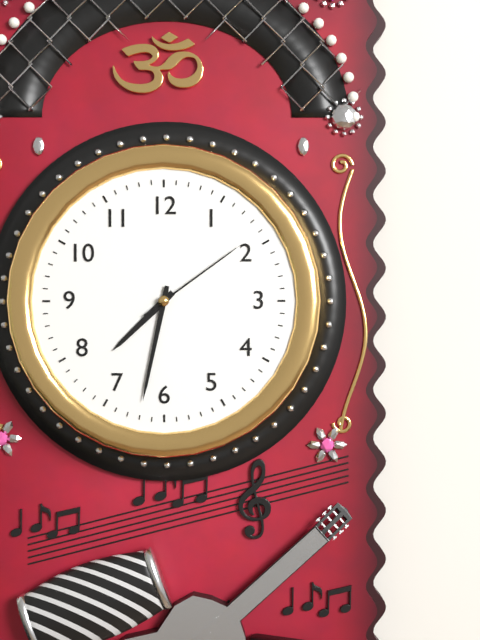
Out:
7.32.09
